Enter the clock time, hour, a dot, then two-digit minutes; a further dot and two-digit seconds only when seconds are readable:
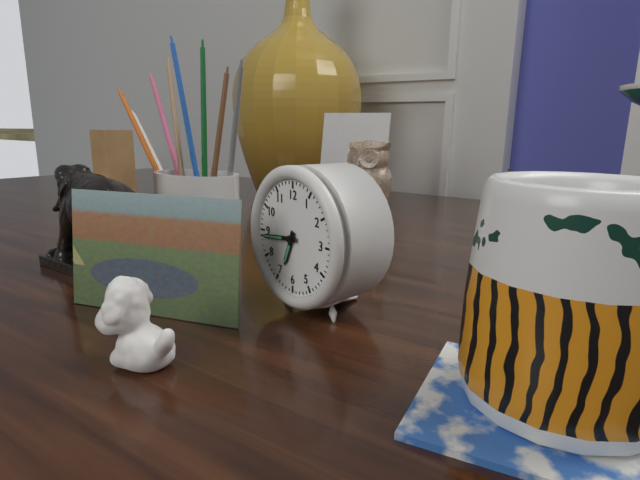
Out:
6.44
